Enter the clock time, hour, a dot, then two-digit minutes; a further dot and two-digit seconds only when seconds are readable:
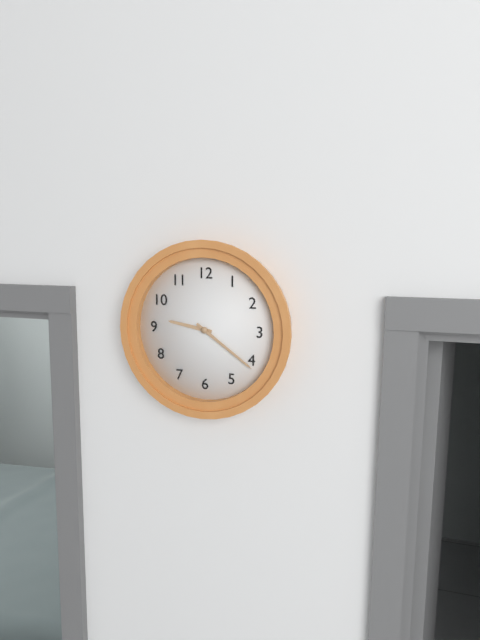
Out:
9.21
